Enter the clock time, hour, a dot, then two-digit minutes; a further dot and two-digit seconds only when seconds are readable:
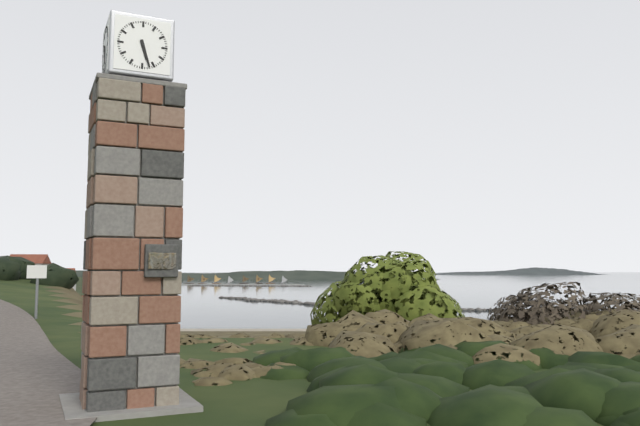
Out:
5.27
